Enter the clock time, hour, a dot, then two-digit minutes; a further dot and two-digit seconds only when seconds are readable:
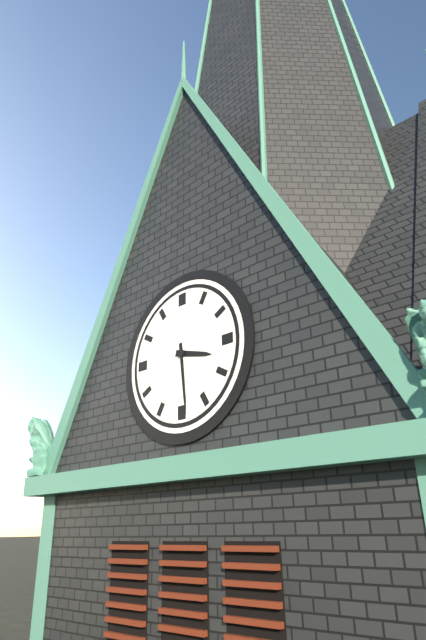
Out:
3.29
